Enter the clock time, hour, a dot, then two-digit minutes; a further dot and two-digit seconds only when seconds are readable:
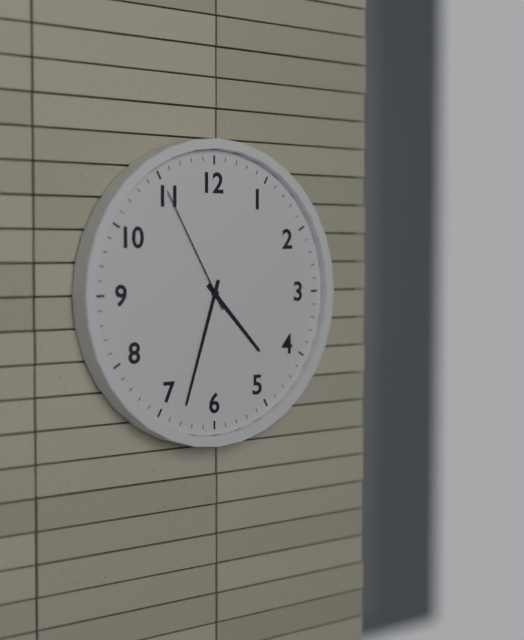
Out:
4.33.55
